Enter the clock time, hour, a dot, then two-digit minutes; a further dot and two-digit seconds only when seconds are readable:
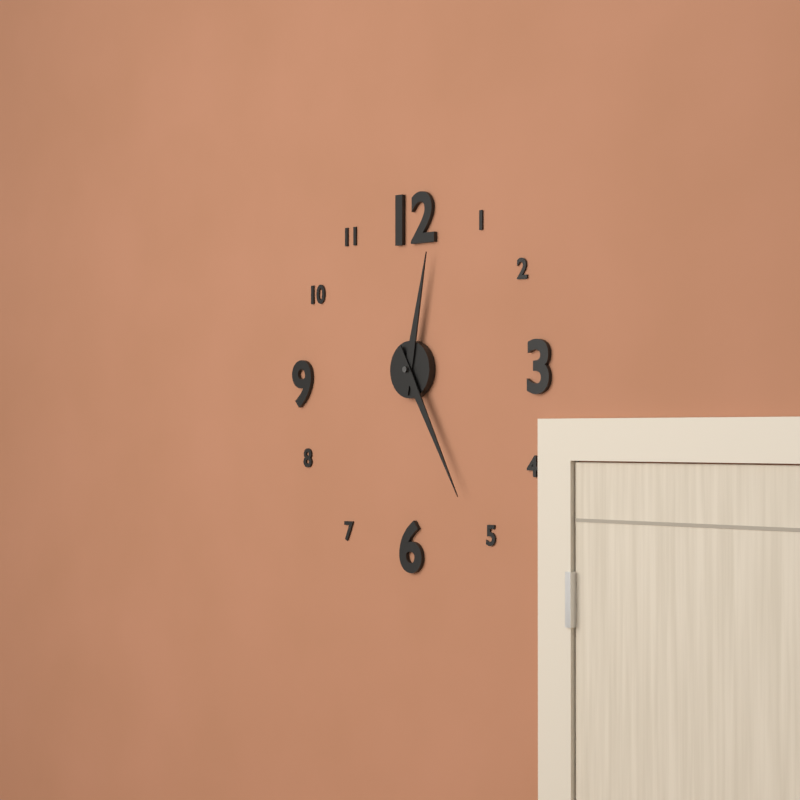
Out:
12.25
